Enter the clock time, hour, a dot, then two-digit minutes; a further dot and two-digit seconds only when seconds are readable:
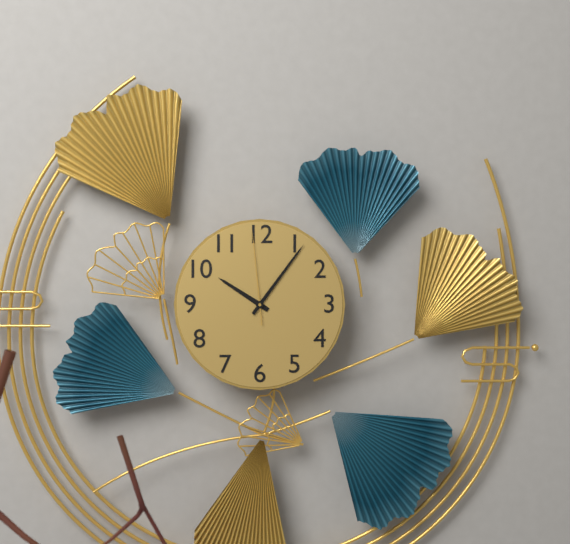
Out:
10.06.59
